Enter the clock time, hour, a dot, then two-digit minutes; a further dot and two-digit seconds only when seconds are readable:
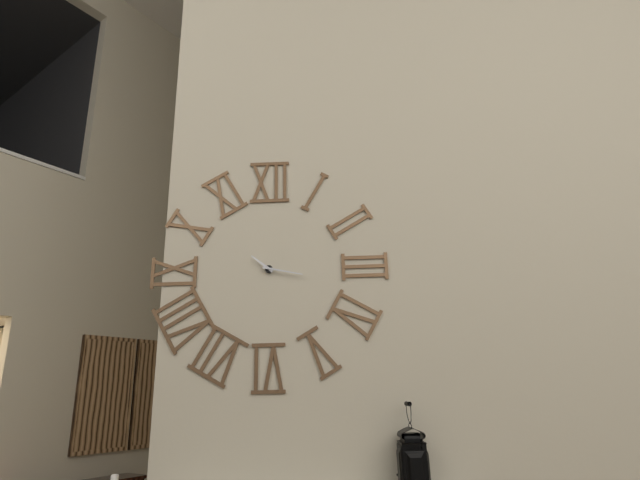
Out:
10.17
